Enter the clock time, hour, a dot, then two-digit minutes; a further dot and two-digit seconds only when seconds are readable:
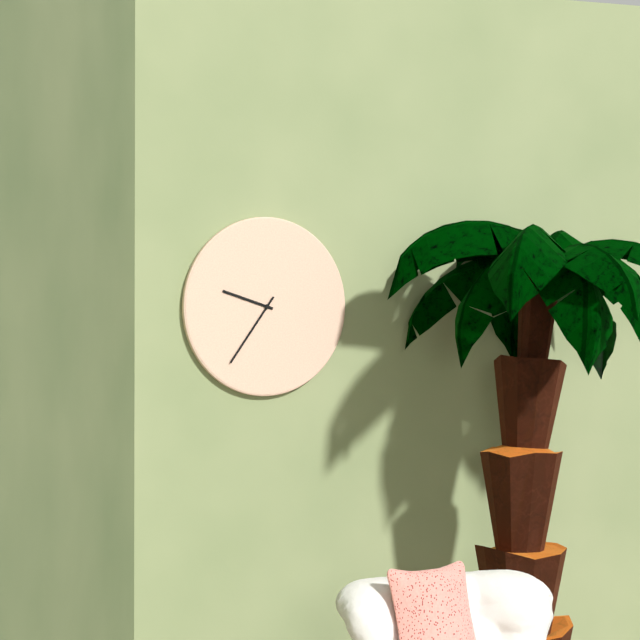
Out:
9.36
